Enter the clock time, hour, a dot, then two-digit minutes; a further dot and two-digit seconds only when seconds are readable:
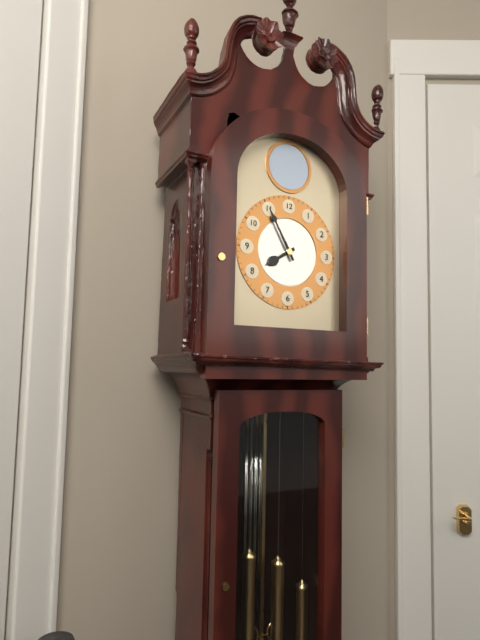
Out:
7.55
